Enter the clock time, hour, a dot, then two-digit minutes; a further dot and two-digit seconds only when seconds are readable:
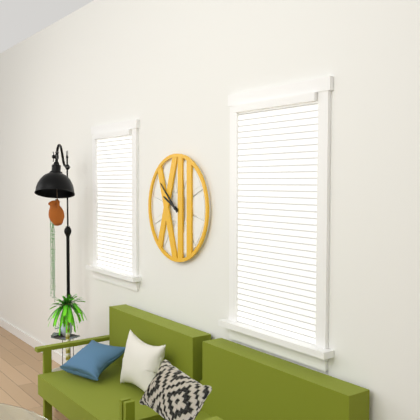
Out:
9.52
